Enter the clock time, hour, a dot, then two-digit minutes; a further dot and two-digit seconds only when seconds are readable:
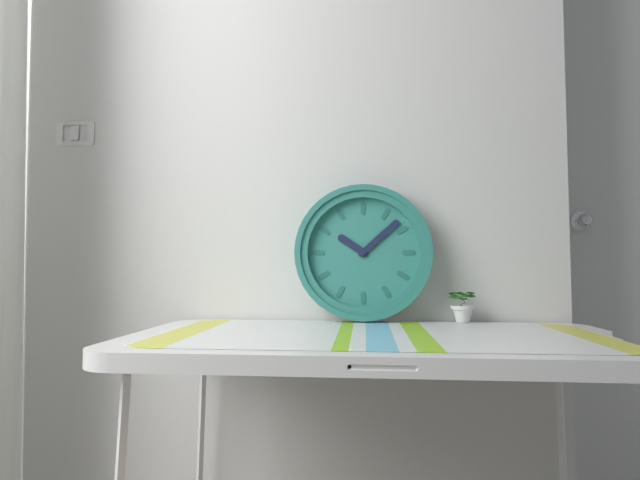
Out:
10.08
